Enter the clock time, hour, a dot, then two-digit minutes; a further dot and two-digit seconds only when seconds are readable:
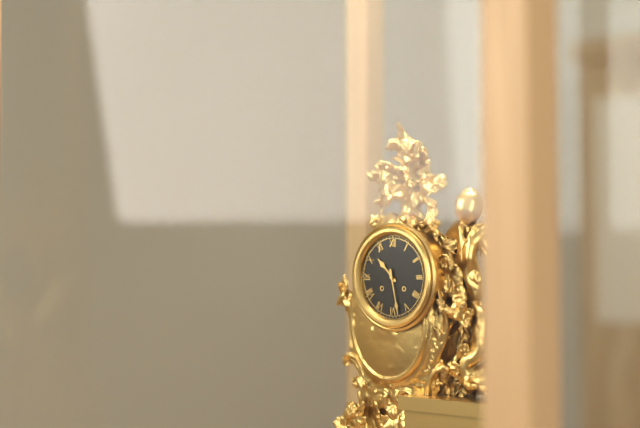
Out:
10.28
